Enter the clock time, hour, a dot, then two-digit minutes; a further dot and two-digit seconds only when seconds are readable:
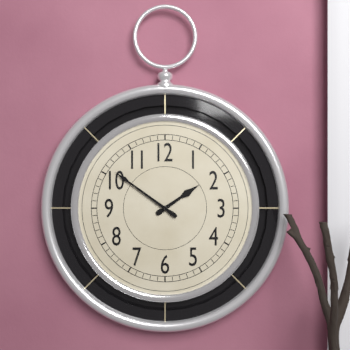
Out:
1.51
